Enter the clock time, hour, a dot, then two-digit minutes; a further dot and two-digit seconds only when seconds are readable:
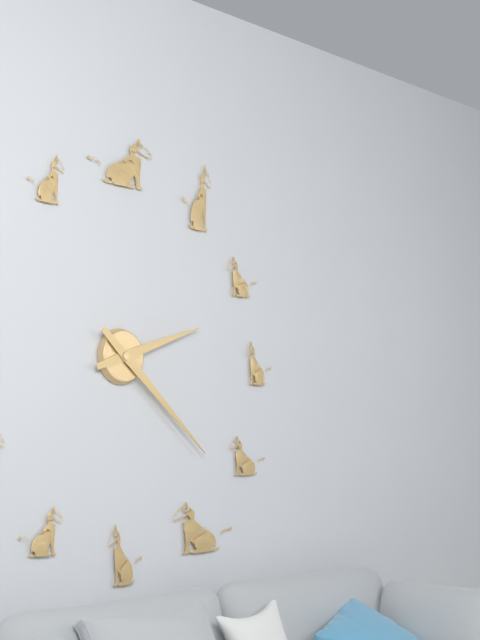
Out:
2.22
